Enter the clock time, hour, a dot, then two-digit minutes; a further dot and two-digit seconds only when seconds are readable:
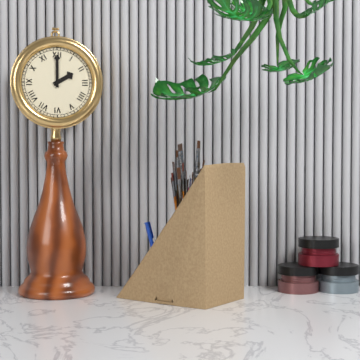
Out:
2.00
